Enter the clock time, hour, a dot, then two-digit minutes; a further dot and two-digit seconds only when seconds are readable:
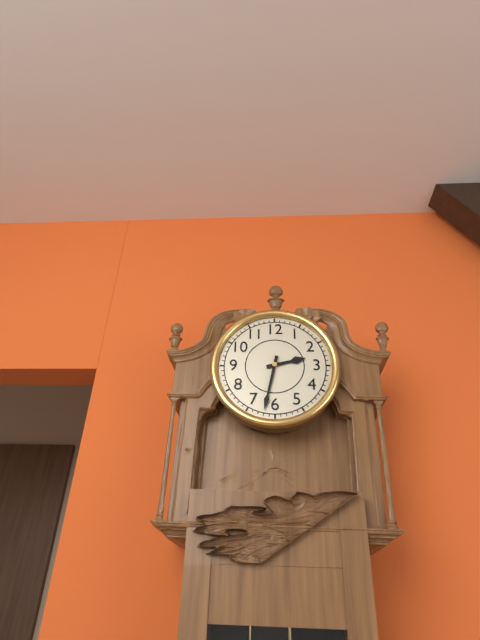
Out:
2.32
